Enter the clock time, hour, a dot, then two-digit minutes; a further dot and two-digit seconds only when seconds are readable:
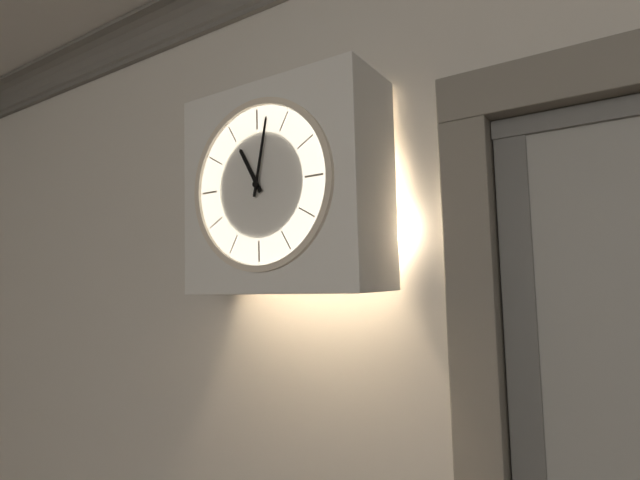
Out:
11.02
